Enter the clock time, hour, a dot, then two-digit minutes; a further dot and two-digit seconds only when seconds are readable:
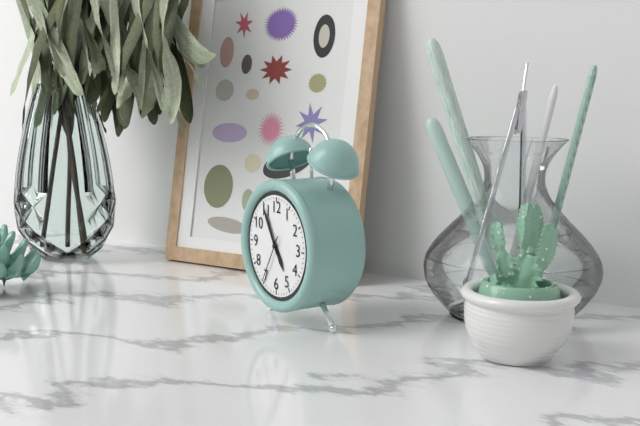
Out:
4.55
